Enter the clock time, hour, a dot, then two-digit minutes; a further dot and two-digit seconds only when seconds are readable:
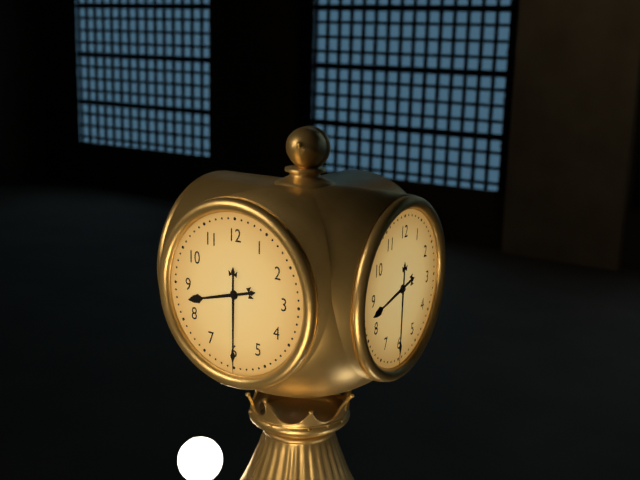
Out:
8.30
